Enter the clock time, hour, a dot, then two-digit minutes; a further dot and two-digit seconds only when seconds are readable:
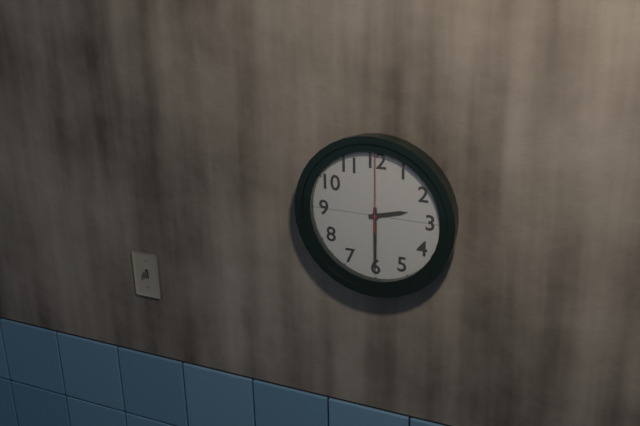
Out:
2.30.00
